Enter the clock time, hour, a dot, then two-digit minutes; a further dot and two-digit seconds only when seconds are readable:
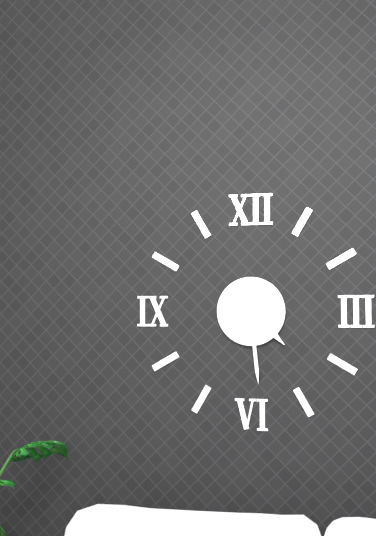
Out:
4.29
